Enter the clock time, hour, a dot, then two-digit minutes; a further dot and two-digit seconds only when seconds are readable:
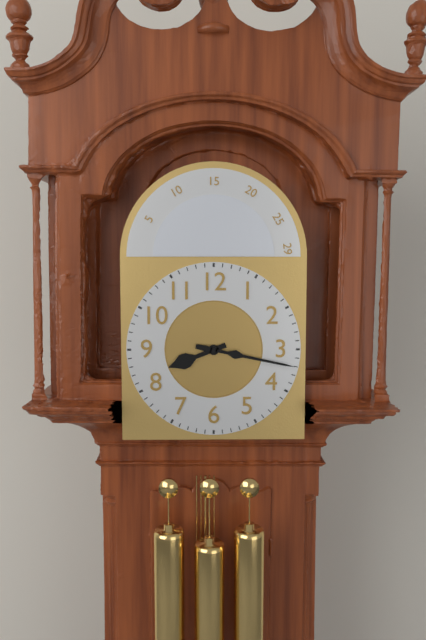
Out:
8.17
